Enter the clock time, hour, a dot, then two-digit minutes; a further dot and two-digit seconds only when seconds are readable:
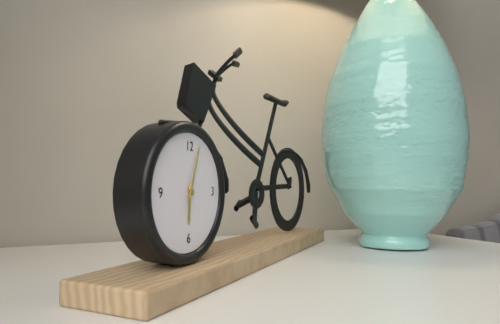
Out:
6.03
